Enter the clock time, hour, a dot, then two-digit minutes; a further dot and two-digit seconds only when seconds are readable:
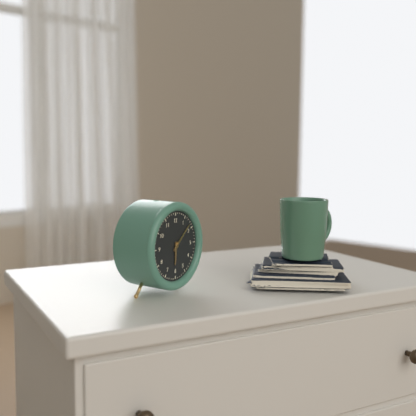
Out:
6.08
